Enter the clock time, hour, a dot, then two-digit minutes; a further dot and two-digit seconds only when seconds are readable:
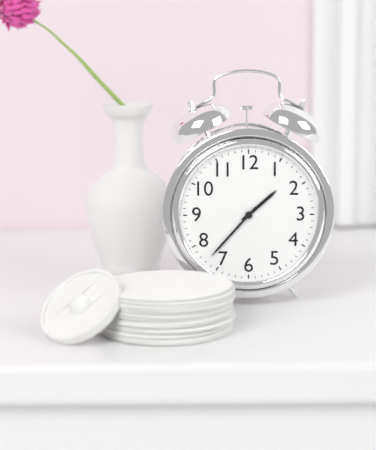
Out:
1.37
